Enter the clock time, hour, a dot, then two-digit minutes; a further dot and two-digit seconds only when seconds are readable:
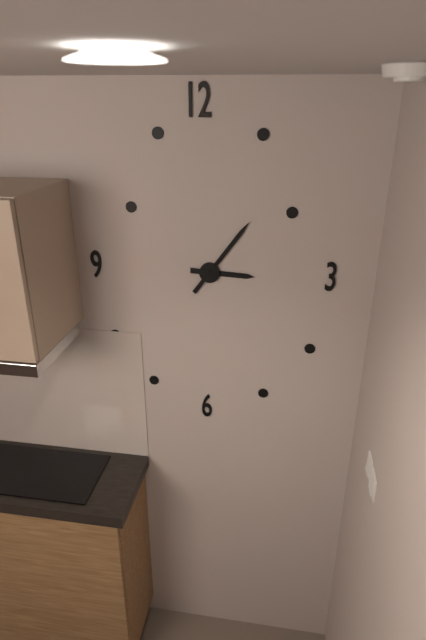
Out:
3.06
